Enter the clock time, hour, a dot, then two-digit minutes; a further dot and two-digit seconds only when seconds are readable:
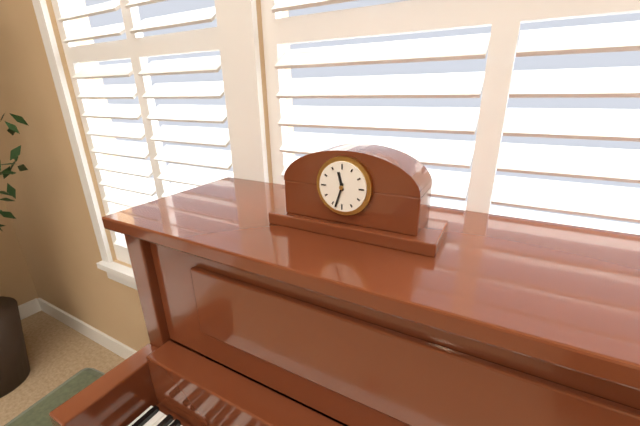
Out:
11.33
